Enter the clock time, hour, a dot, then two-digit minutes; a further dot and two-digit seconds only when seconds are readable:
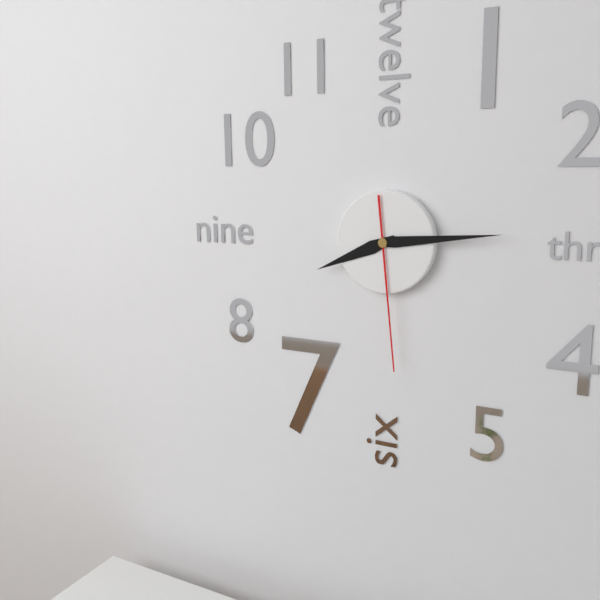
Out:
8.14.29
